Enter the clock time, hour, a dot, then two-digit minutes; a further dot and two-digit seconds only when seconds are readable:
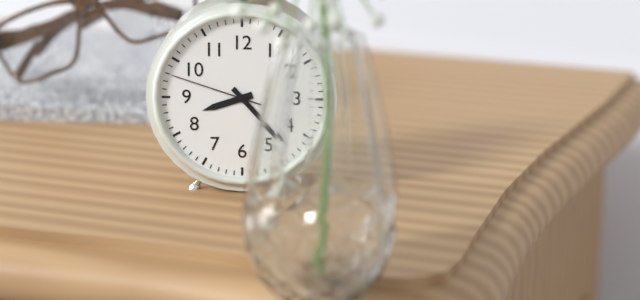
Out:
8.23.48
